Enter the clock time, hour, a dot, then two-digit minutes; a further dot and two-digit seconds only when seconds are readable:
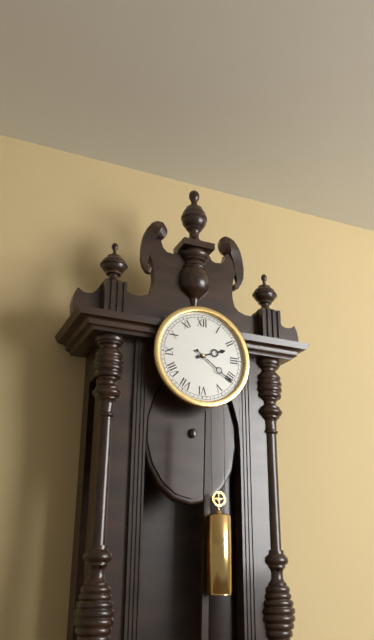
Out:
2.21
